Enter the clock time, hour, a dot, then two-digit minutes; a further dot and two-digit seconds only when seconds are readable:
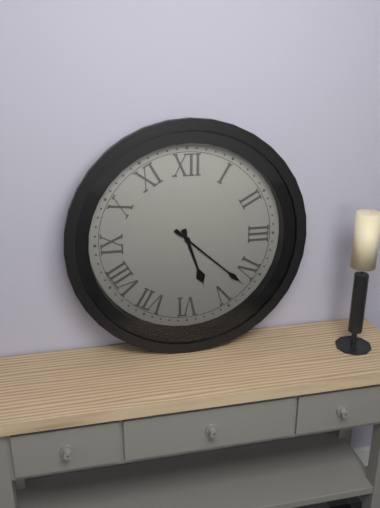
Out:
5.22
